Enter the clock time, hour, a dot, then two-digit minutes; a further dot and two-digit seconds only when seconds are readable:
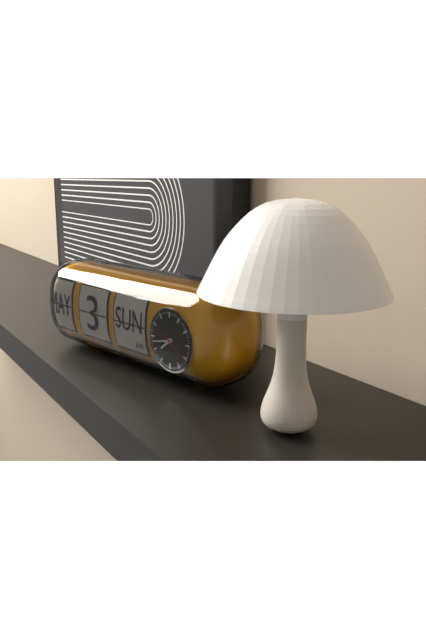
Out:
7.43
